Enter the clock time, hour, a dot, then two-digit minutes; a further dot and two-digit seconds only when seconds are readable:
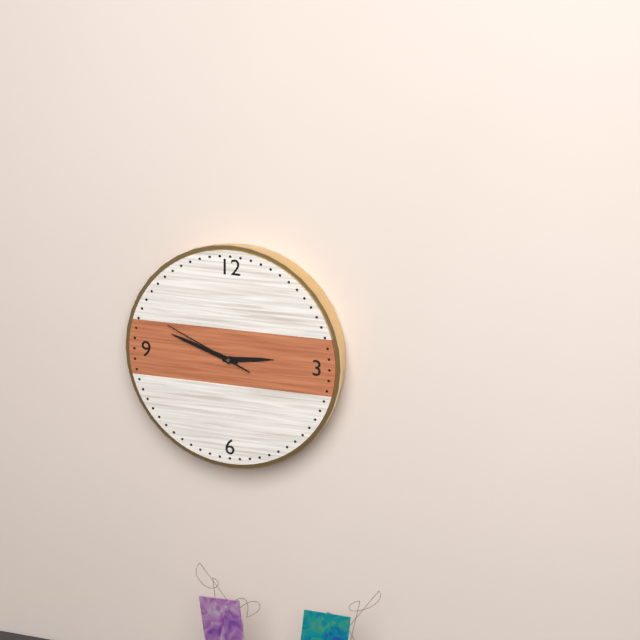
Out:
2.48.49
